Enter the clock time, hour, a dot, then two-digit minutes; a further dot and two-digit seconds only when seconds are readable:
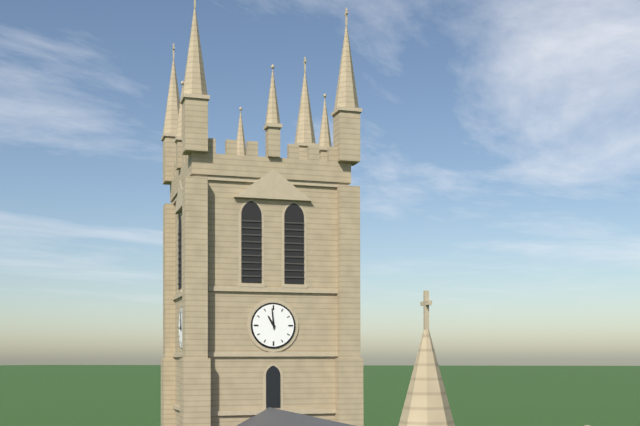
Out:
10.59
